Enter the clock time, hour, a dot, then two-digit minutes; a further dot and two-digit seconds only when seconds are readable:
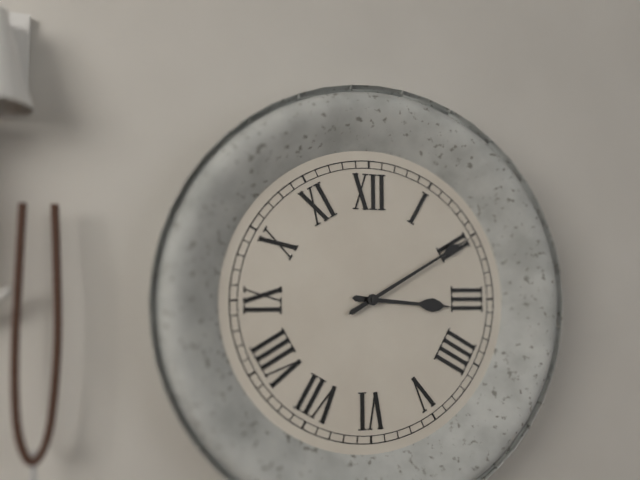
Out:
3.10
